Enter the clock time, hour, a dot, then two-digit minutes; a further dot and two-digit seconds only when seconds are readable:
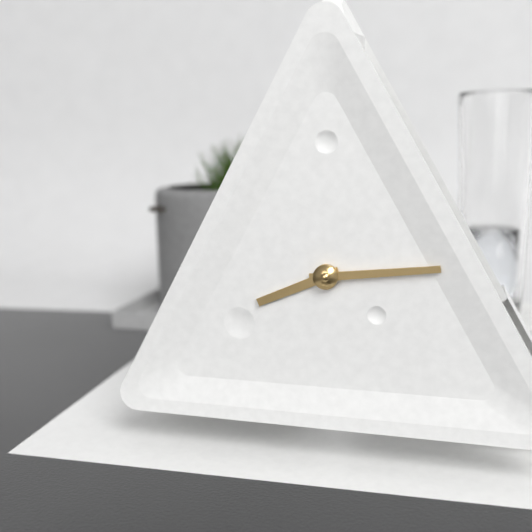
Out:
8.14
